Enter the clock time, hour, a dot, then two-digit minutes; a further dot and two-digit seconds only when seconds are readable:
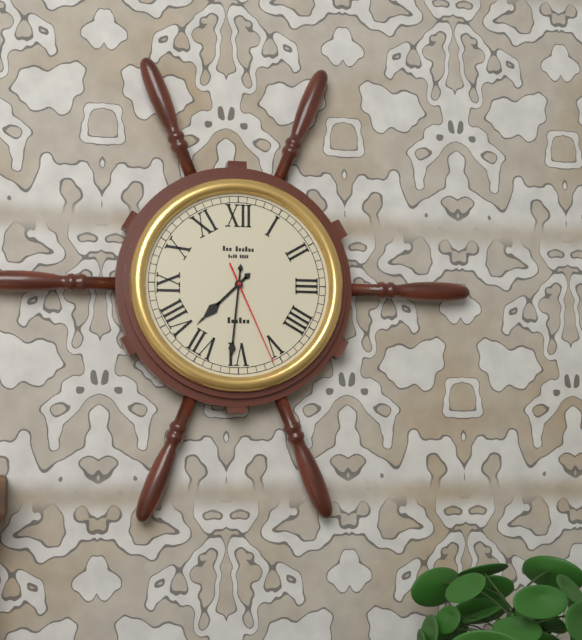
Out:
7.31.26
